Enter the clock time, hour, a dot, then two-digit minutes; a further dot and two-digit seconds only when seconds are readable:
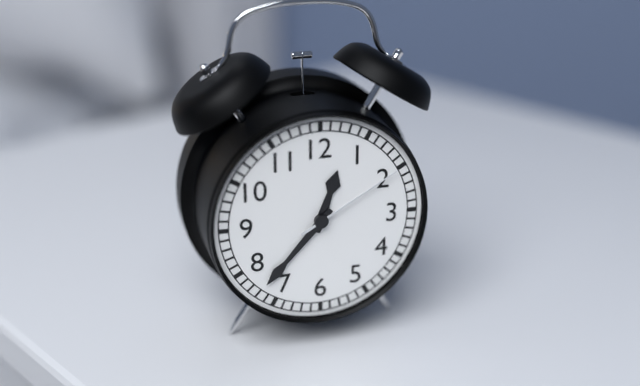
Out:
12.37.10
